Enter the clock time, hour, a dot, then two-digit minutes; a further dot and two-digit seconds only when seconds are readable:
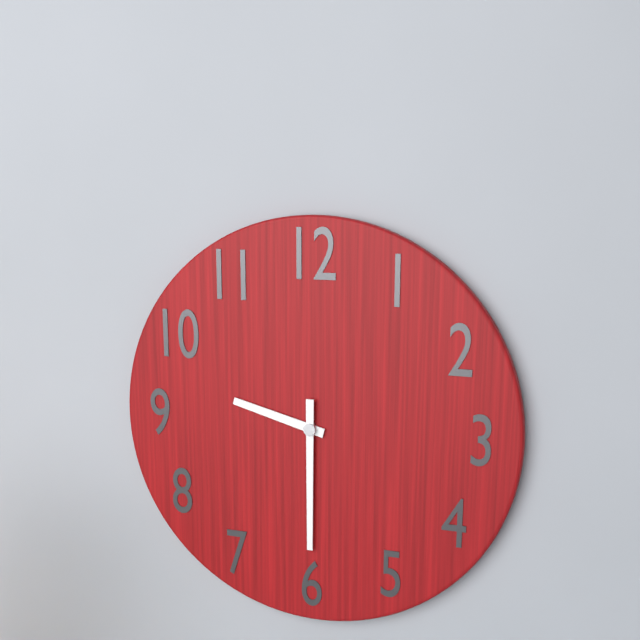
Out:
9.30
